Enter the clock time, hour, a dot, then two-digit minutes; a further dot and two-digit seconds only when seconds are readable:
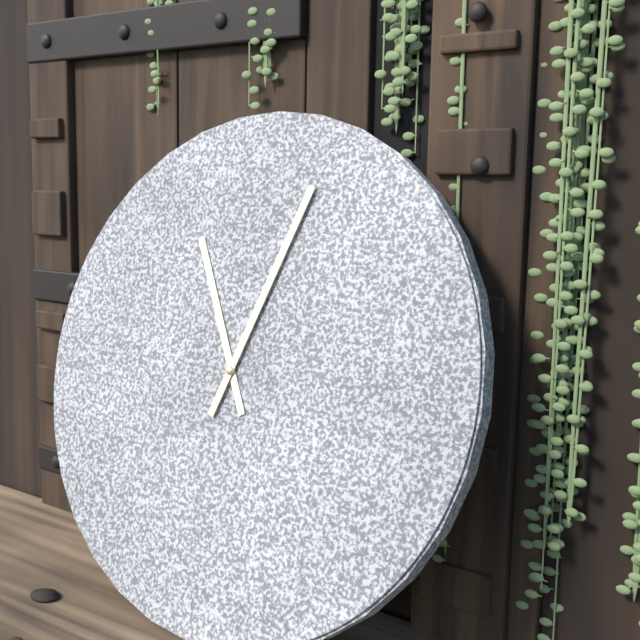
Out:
11.03
